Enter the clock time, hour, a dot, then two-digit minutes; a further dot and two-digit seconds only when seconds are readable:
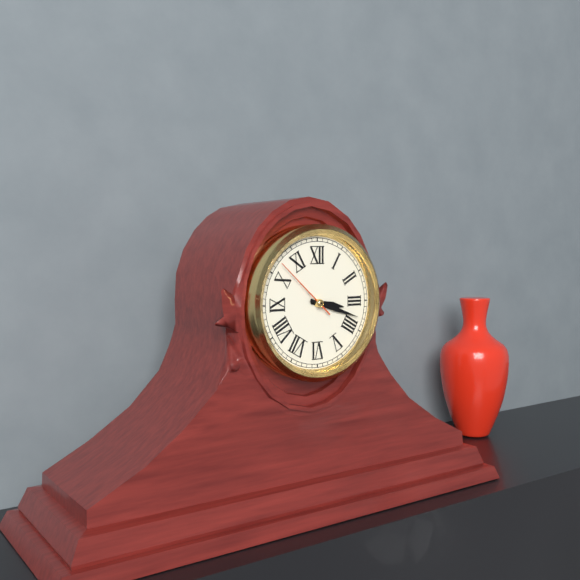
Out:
3.18.52
